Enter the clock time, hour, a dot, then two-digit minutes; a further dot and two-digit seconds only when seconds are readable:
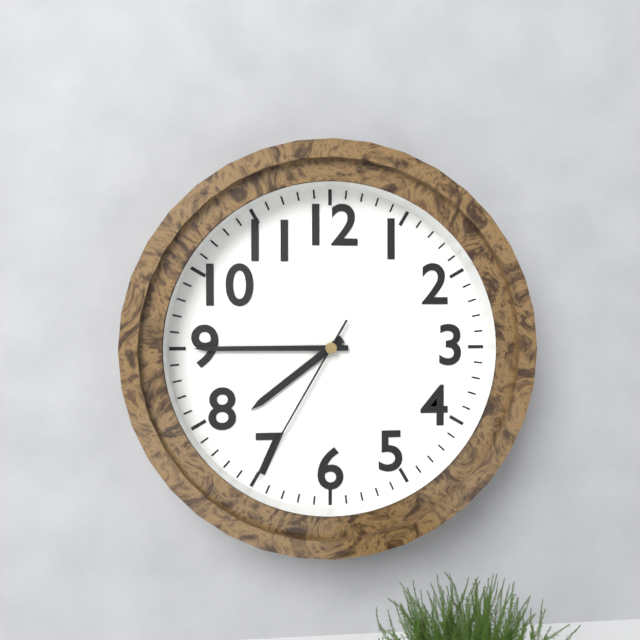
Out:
7.45.35
